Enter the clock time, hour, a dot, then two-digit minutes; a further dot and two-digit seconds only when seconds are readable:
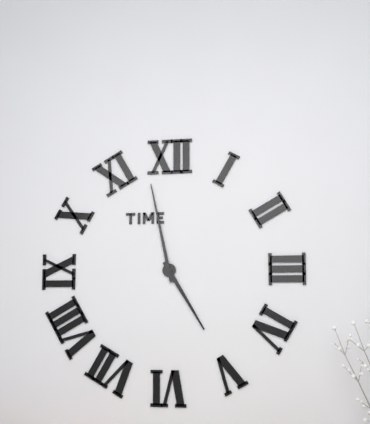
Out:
4.58
